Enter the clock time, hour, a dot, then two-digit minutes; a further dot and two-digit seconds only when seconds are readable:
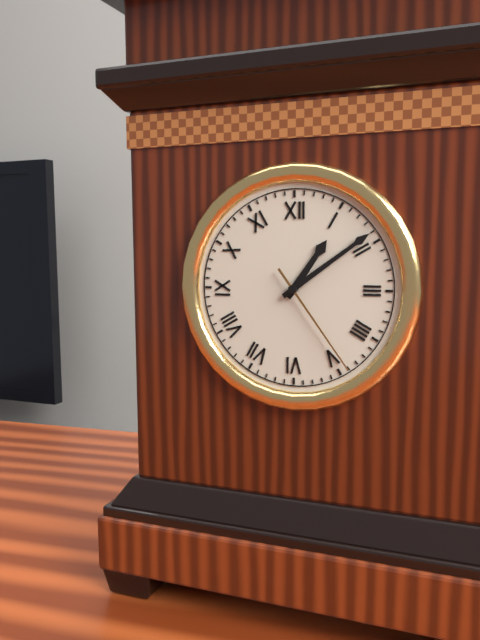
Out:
1.09.24
